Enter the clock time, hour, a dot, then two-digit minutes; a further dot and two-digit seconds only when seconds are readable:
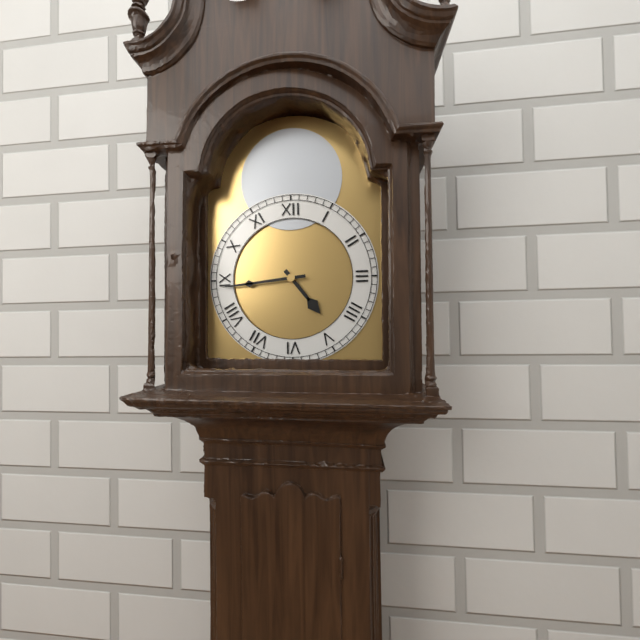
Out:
4.44
